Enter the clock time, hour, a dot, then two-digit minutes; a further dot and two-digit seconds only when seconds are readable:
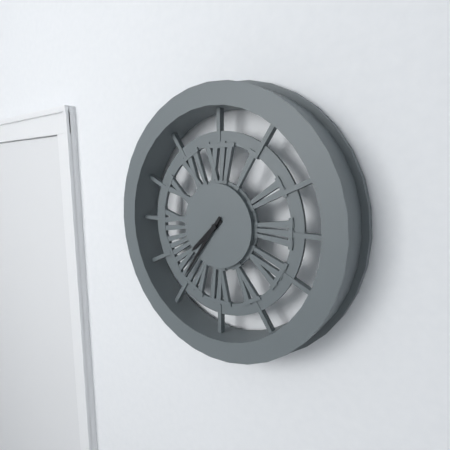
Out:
7.36
